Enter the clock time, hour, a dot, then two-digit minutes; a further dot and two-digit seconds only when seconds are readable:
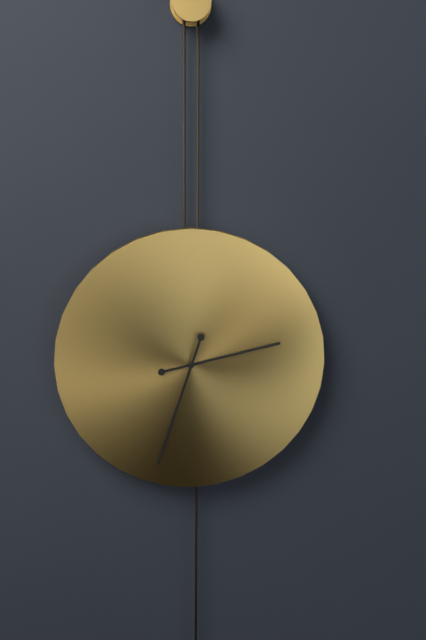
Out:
2.33
